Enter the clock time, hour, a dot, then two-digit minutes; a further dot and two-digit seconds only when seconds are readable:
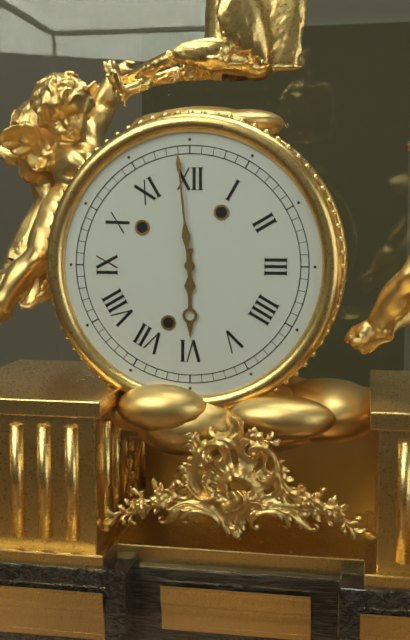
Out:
5.59
